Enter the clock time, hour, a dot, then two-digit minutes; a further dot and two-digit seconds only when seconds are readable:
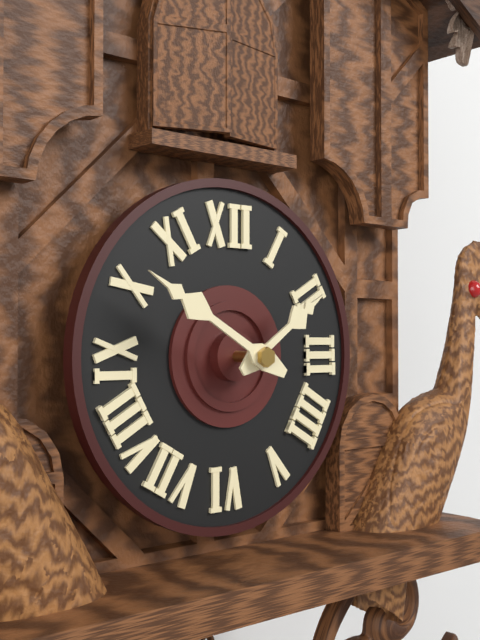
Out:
1.50
